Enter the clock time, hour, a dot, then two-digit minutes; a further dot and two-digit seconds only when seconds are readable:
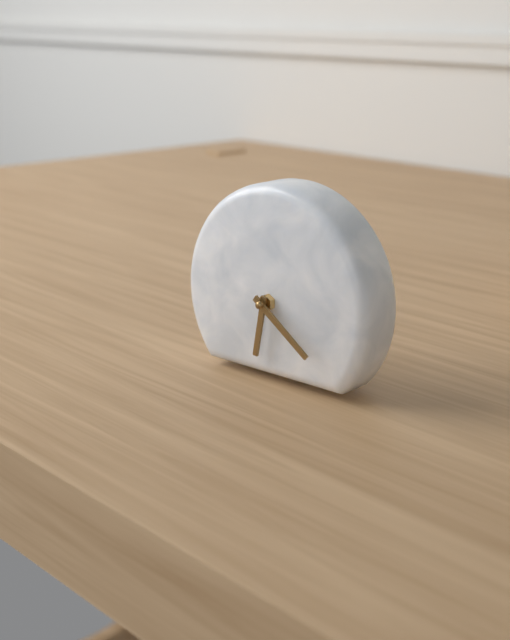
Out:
6.21
